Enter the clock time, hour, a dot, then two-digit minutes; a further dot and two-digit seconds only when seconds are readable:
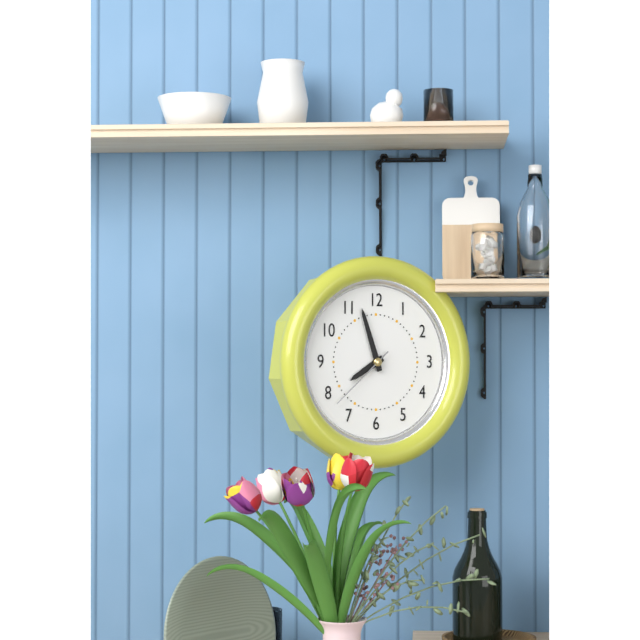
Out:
7.57.38
